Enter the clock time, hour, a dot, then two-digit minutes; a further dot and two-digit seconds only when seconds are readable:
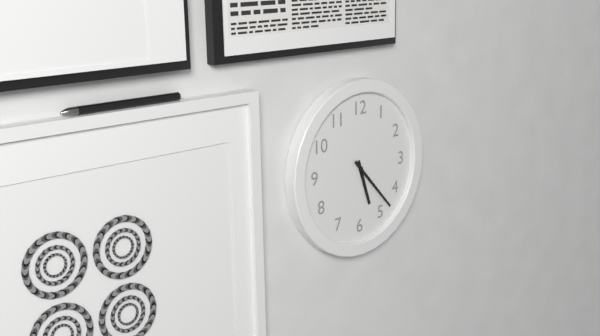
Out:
5.23
